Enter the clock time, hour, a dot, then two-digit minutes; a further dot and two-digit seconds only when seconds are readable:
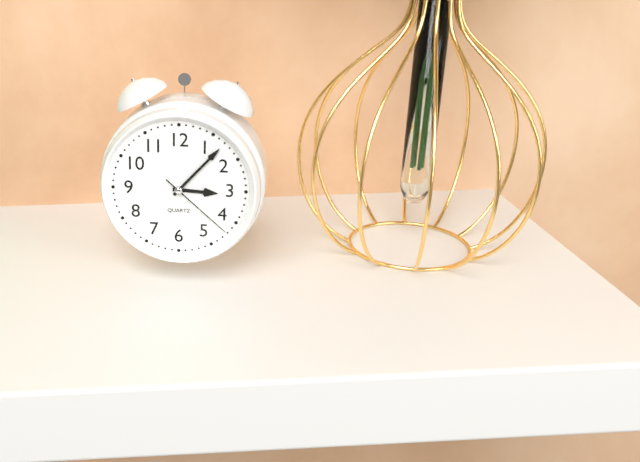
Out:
3.07.22
